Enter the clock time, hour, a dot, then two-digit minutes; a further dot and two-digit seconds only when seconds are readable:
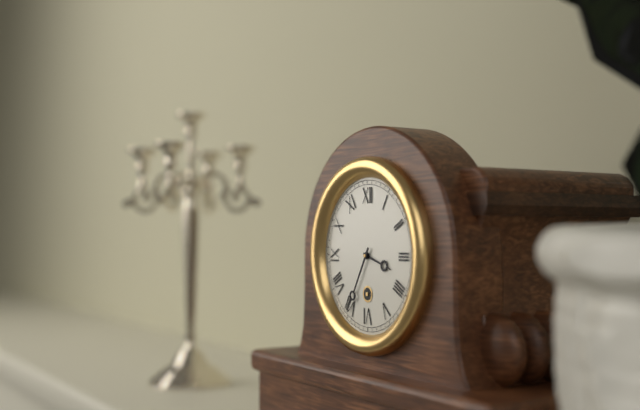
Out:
3.35
